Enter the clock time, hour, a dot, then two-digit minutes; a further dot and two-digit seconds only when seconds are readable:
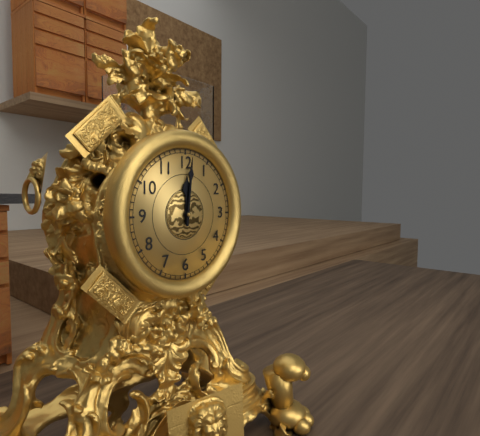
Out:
12.01
